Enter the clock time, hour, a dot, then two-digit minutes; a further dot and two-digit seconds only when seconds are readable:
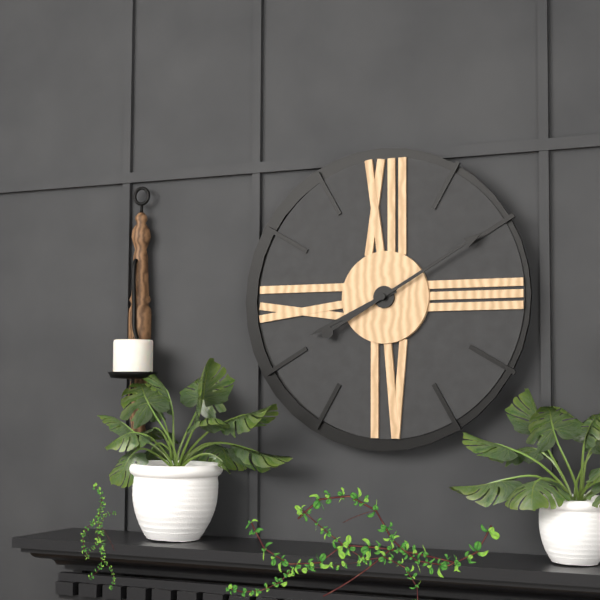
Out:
8.10
